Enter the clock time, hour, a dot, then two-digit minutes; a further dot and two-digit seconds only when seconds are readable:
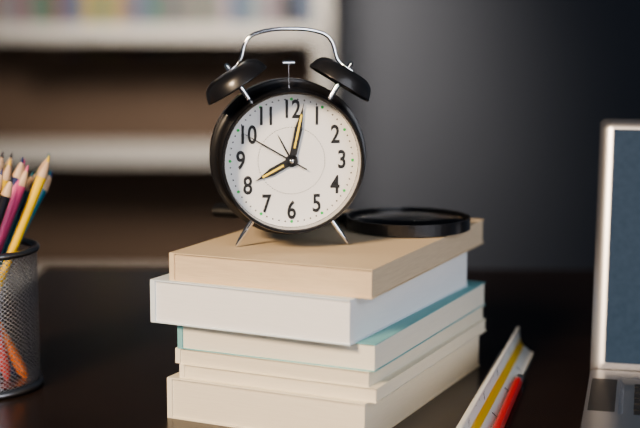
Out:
8.02.50
